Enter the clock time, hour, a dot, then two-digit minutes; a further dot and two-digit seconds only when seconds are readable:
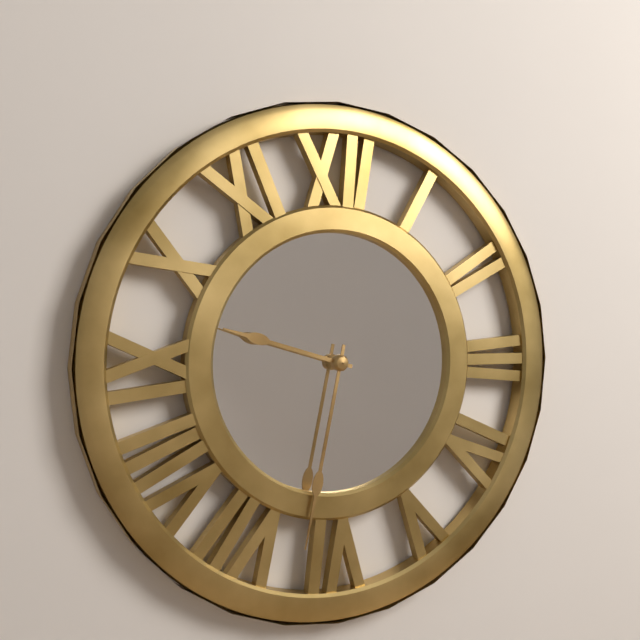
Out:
9.32
